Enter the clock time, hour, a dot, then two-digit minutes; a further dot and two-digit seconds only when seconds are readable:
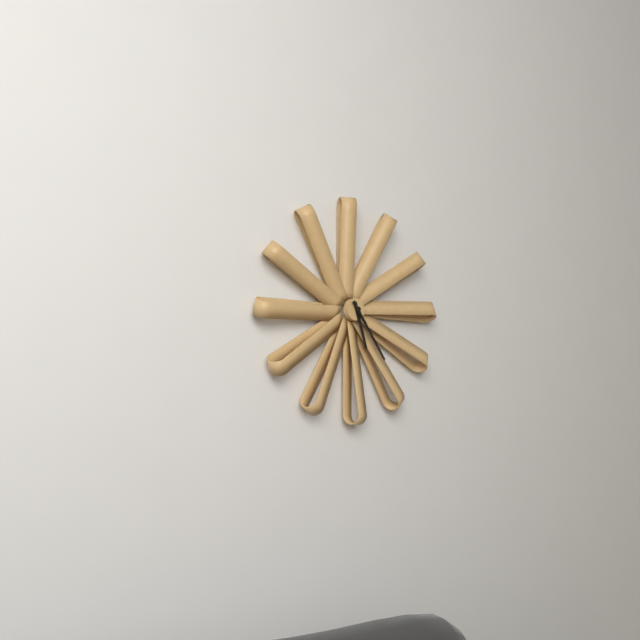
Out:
5.24
